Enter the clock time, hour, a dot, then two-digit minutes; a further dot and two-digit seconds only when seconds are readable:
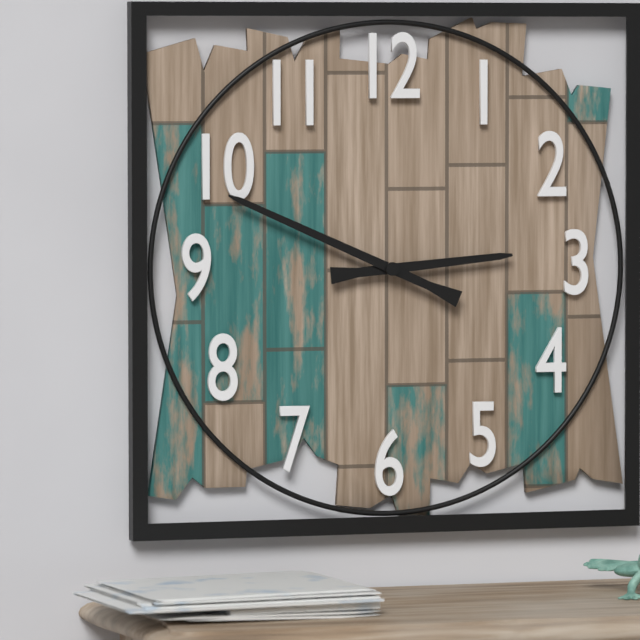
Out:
2.49
